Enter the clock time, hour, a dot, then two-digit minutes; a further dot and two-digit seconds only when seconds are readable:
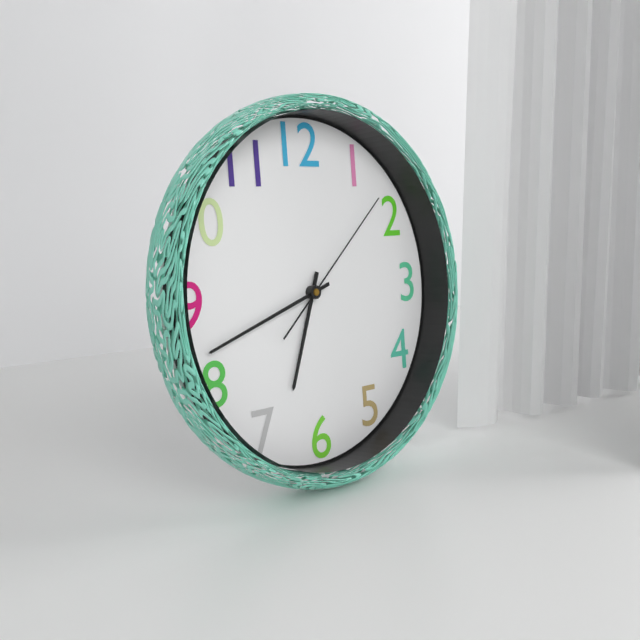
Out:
6.42.08
